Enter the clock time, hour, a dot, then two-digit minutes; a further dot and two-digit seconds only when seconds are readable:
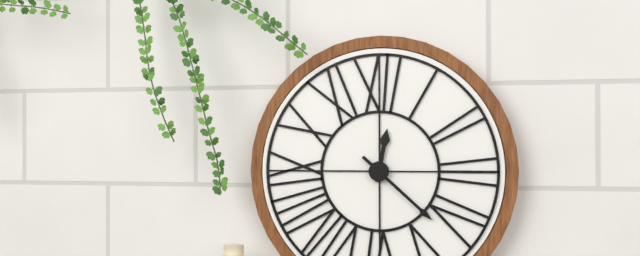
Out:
12.22
